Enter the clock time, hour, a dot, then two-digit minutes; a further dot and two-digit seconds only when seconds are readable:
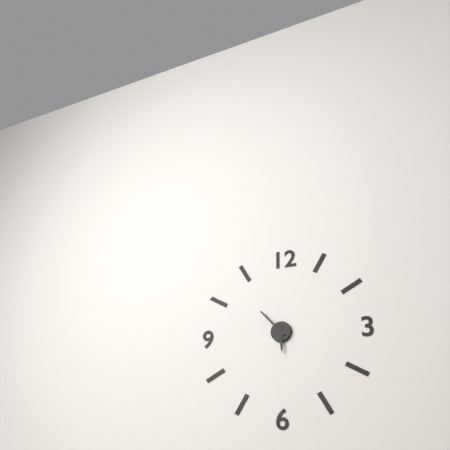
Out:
5.53
